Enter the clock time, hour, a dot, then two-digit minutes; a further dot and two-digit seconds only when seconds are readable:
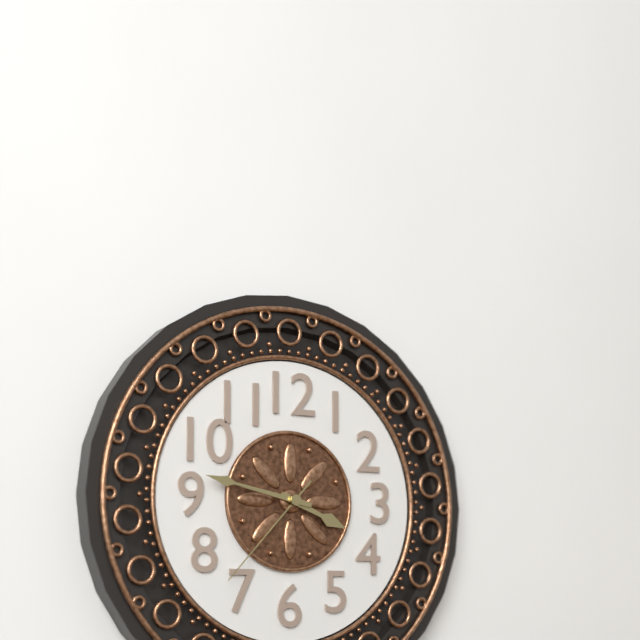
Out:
3.47.37
